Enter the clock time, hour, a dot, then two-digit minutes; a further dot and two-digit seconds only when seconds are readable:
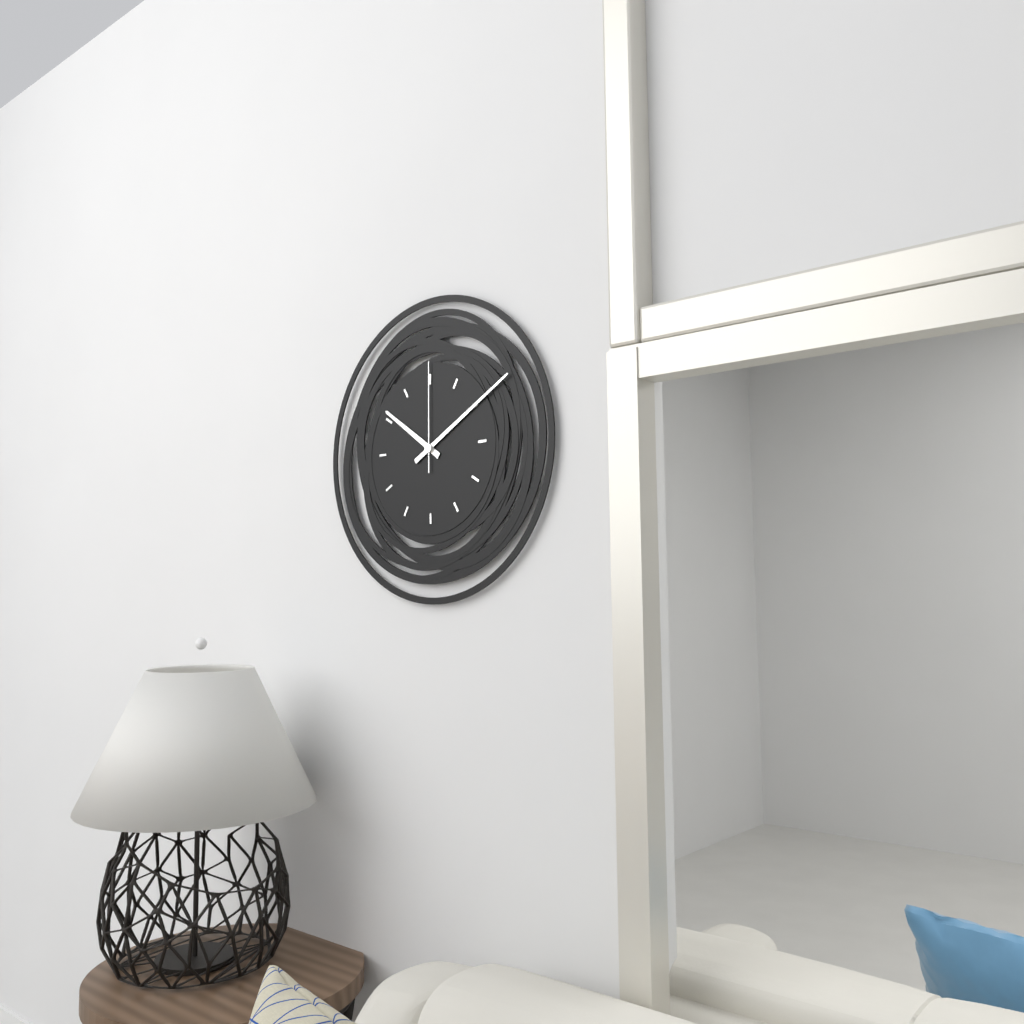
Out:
10.10.00
